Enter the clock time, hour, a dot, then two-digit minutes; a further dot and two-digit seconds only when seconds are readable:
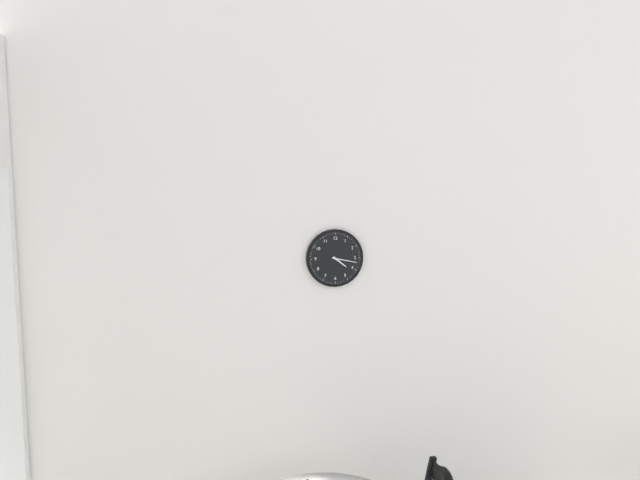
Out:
4.17
